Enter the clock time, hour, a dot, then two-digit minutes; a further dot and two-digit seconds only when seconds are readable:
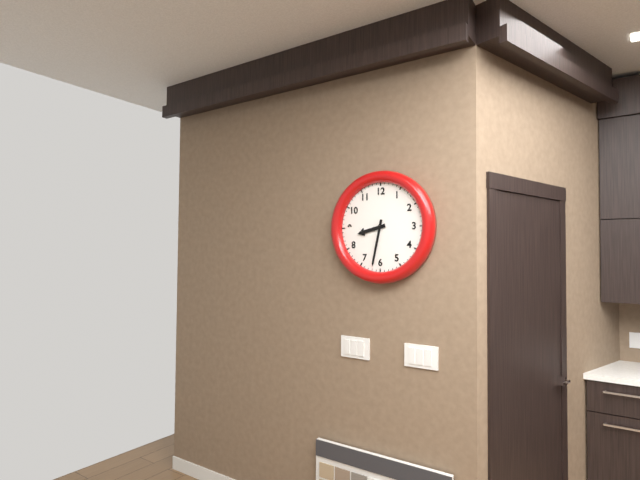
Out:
8.32
